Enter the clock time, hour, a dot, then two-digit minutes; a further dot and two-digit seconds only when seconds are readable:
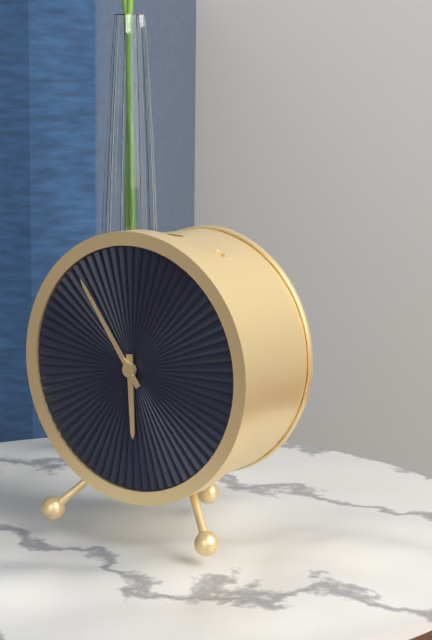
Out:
5.54
